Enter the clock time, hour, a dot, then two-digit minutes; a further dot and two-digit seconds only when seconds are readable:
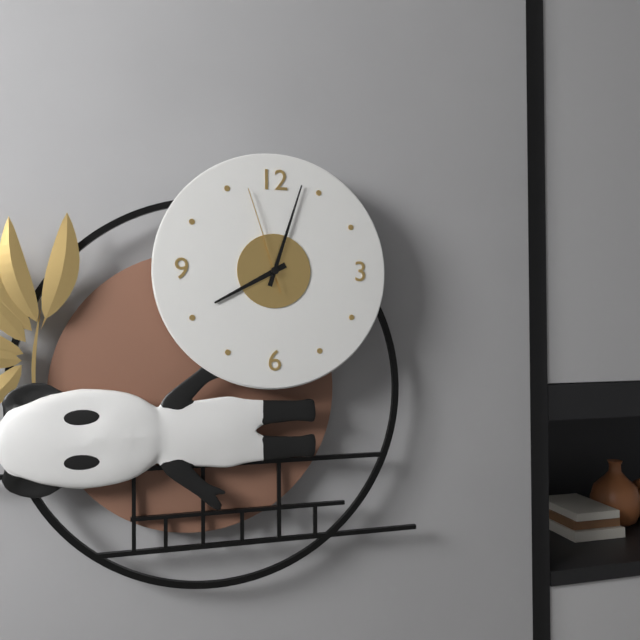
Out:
8.03.57
